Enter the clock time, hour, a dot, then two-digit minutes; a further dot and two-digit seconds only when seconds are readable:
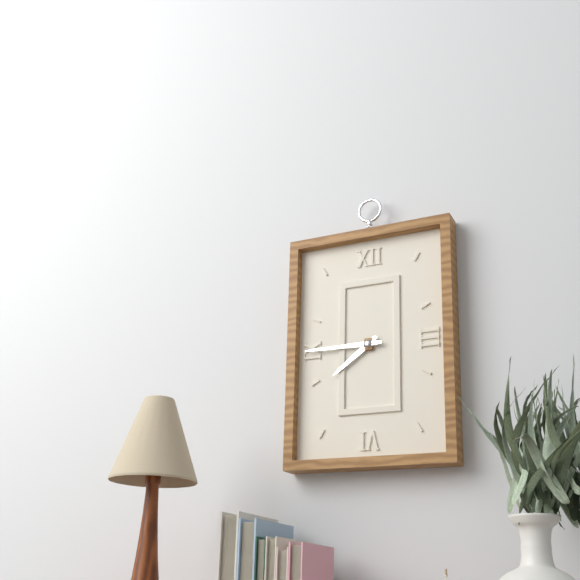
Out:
7.45
